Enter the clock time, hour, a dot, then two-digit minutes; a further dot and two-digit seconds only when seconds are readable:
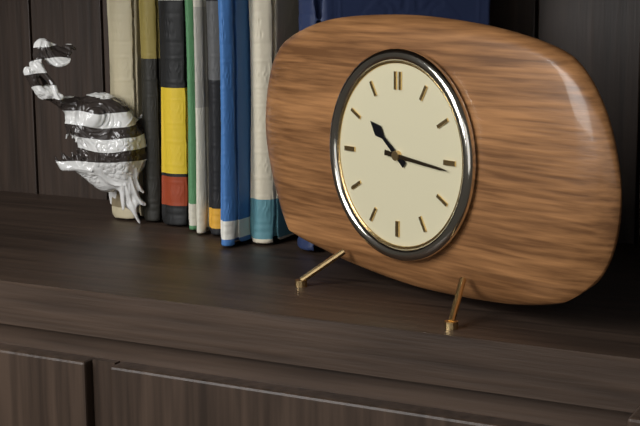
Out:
10.16
